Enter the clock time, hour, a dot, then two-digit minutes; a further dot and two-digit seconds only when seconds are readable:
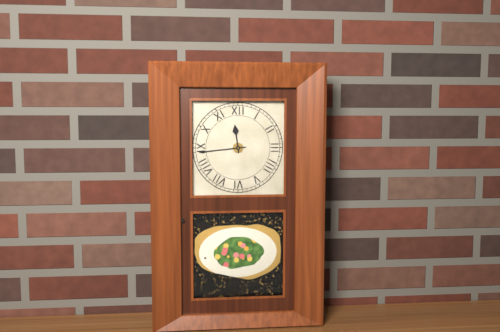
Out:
11.44
